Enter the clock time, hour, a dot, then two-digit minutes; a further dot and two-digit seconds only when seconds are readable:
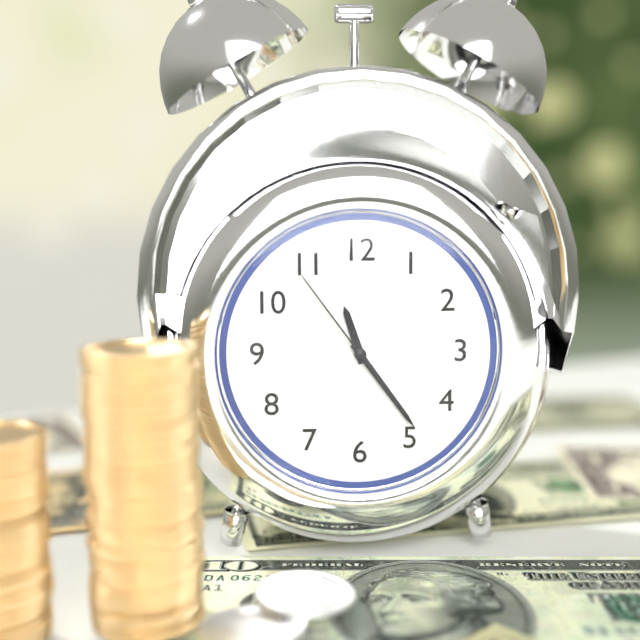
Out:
11.24.54
